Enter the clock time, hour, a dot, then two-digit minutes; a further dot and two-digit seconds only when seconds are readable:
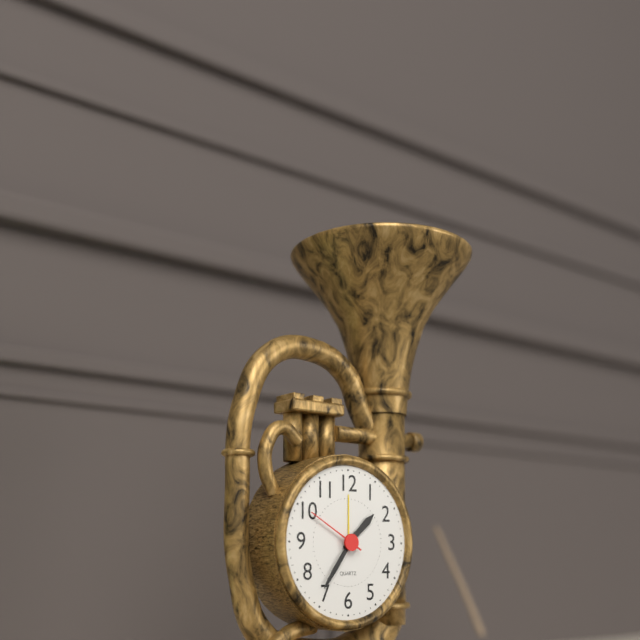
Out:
1.36.50
